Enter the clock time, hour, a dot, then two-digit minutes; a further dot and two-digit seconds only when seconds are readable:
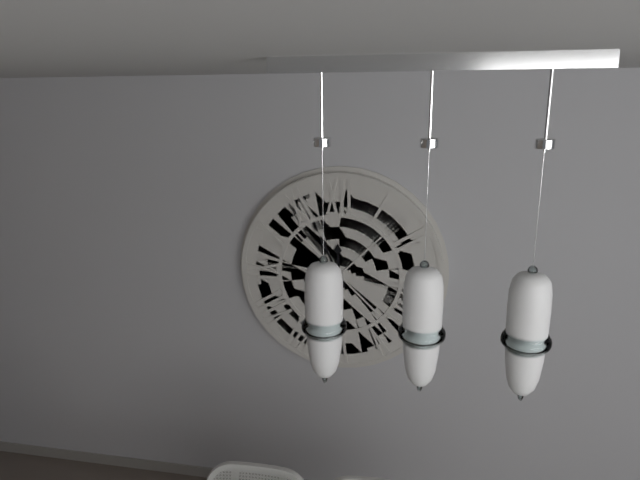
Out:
11.56
